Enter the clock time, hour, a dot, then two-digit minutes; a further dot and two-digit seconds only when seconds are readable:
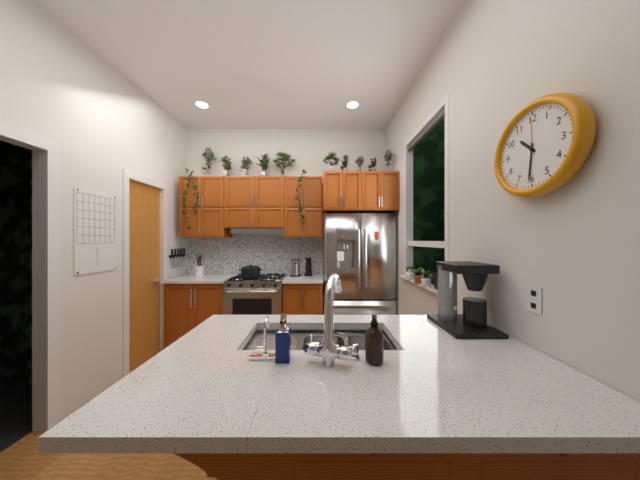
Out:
10.31
